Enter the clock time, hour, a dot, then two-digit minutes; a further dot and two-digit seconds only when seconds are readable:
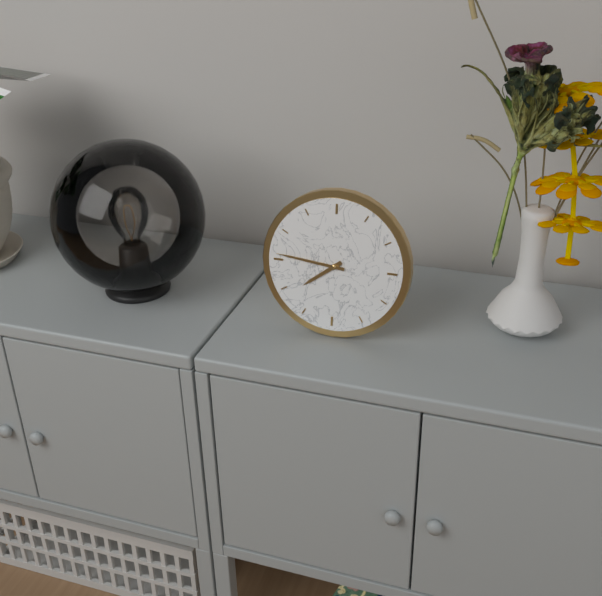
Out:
7.46
